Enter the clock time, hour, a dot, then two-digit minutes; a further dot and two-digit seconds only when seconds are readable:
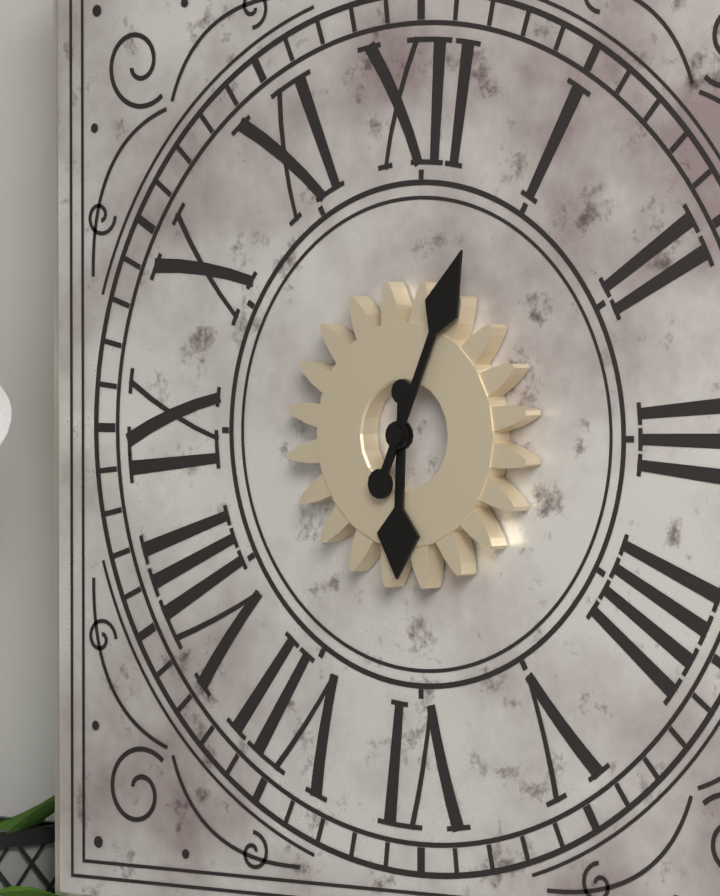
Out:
6.04
